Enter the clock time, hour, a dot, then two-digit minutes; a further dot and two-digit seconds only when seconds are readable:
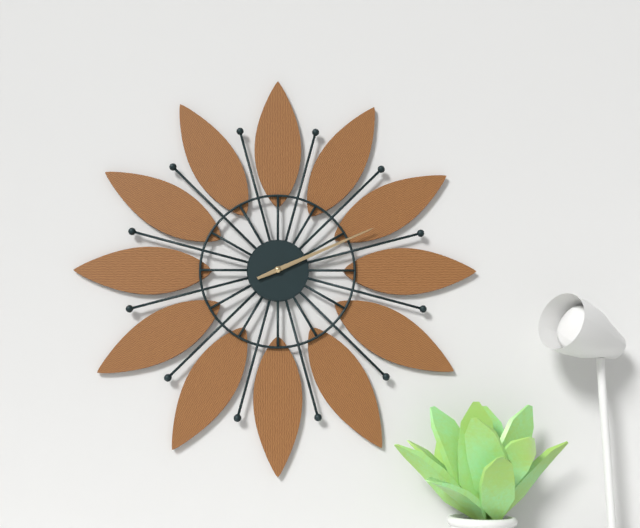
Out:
2.11
